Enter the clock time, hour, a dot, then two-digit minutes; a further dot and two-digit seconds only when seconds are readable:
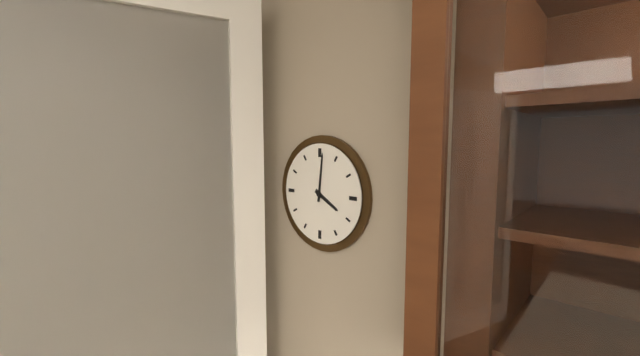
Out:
4.01
